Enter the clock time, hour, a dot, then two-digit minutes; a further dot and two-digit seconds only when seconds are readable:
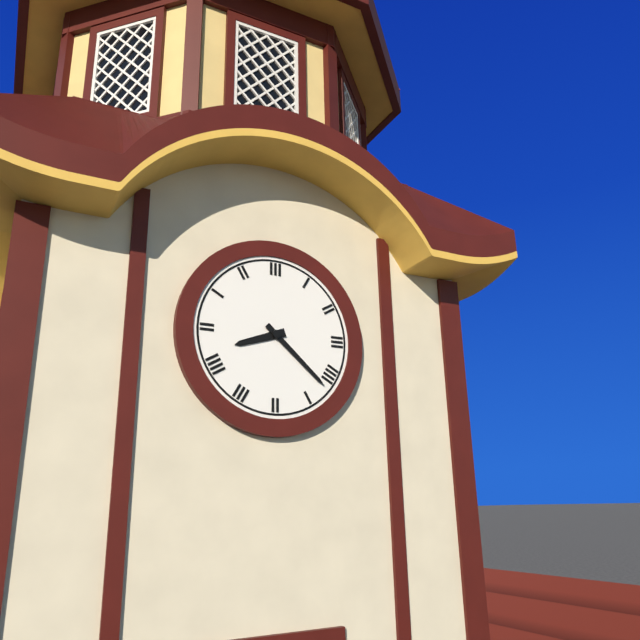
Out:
8.22
